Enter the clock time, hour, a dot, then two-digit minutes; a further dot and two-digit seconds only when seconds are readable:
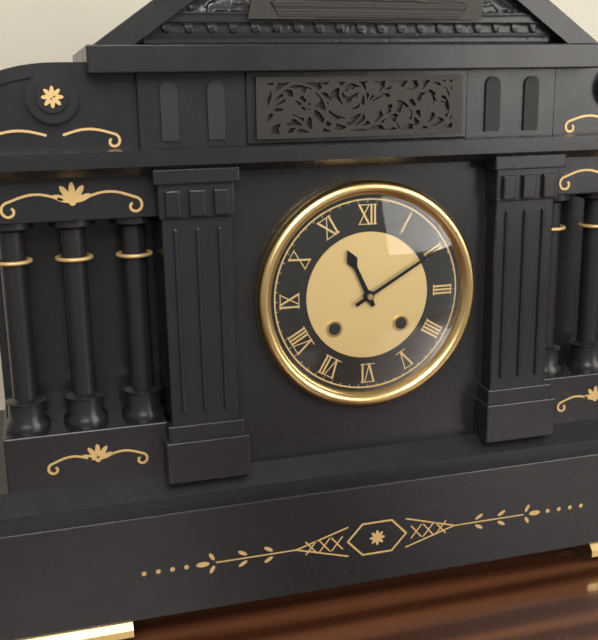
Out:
11.10
